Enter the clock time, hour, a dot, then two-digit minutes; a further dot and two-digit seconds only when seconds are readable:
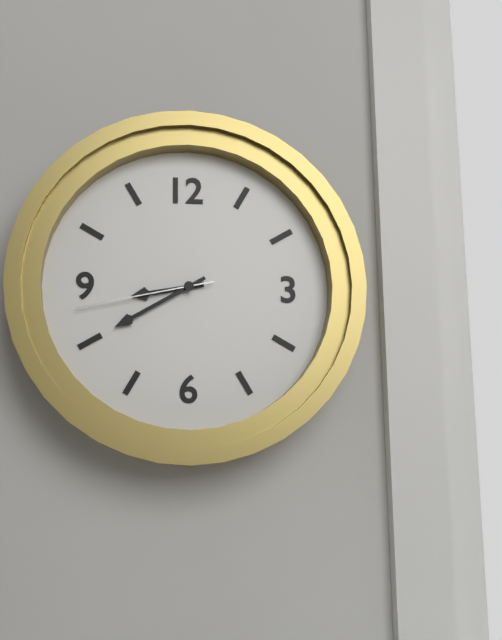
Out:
8.40.43
